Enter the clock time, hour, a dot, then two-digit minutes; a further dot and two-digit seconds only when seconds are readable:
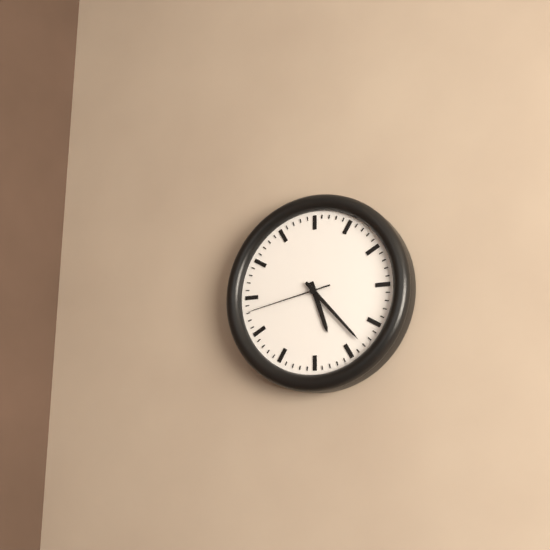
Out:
5.23.43
